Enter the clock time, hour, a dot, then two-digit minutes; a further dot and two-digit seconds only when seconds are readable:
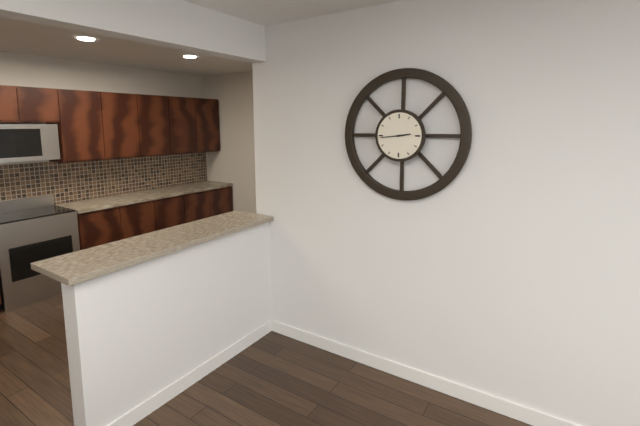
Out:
2.44
